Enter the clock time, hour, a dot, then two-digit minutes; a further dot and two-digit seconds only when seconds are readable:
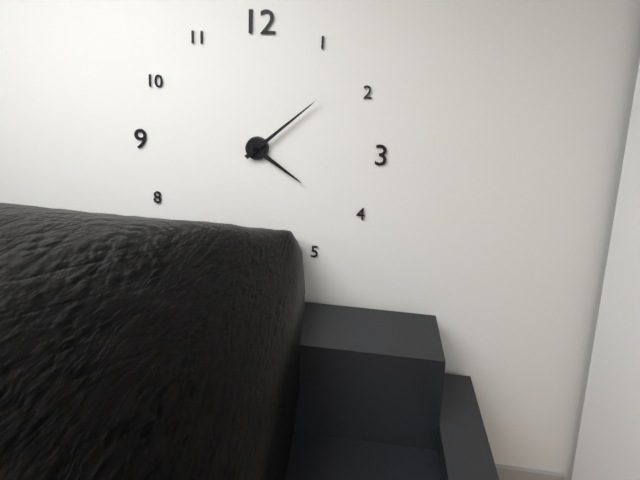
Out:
4.08
